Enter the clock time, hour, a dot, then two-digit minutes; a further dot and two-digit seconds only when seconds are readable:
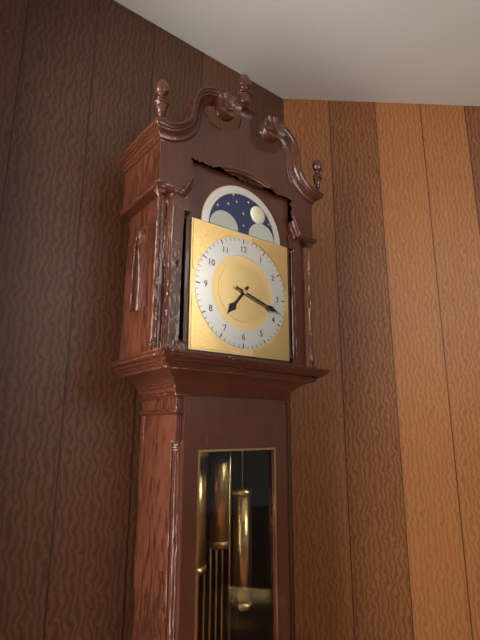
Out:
7.18
